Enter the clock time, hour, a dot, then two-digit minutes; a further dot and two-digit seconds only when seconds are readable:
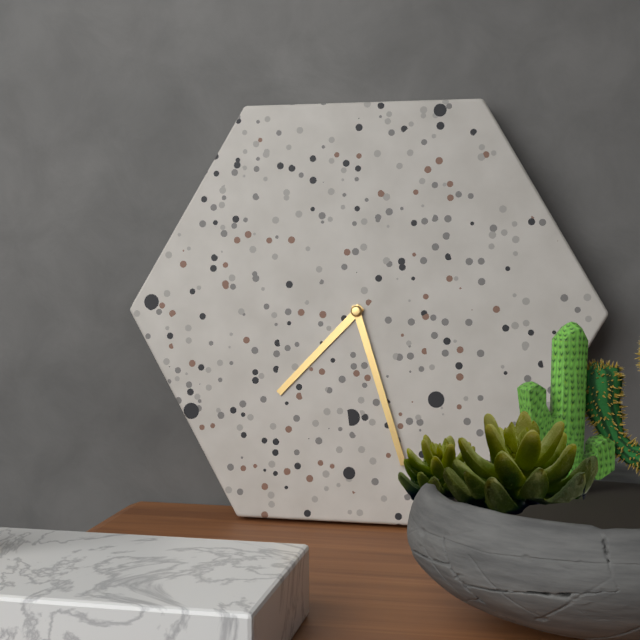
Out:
7.27
